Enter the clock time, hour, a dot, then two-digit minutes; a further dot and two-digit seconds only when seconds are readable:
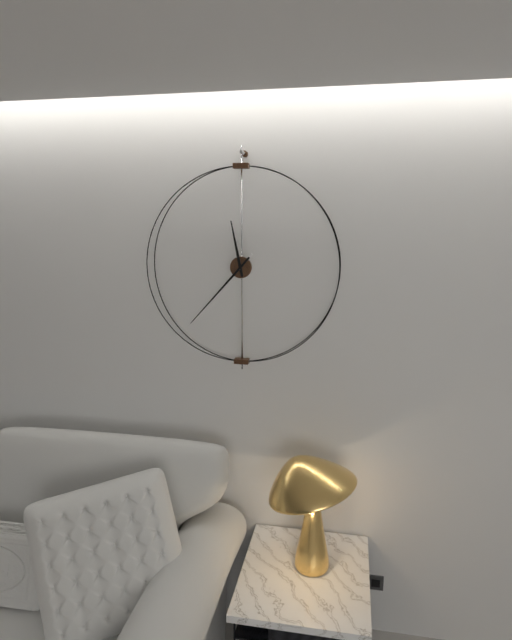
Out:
11.37
